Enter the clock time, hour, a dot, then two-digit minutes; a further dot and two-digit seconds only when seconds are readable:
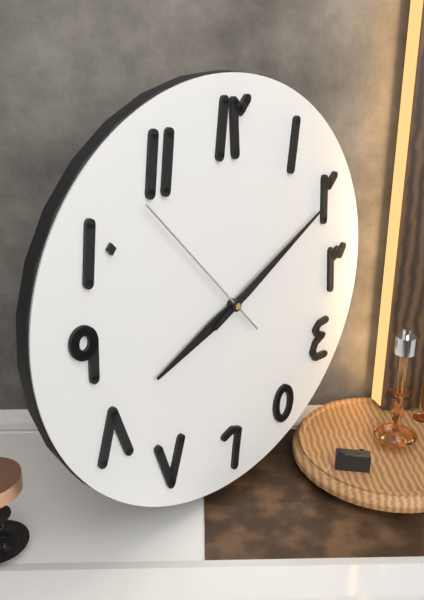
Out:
8.10.53
